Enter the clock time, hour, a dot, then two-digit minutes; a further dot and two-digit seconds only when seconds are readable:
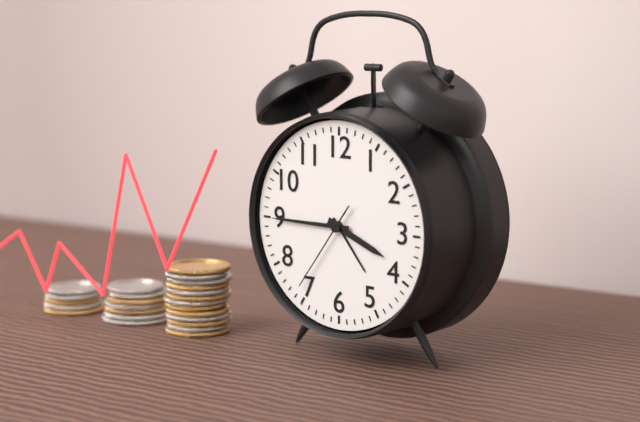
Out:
3.45.36
